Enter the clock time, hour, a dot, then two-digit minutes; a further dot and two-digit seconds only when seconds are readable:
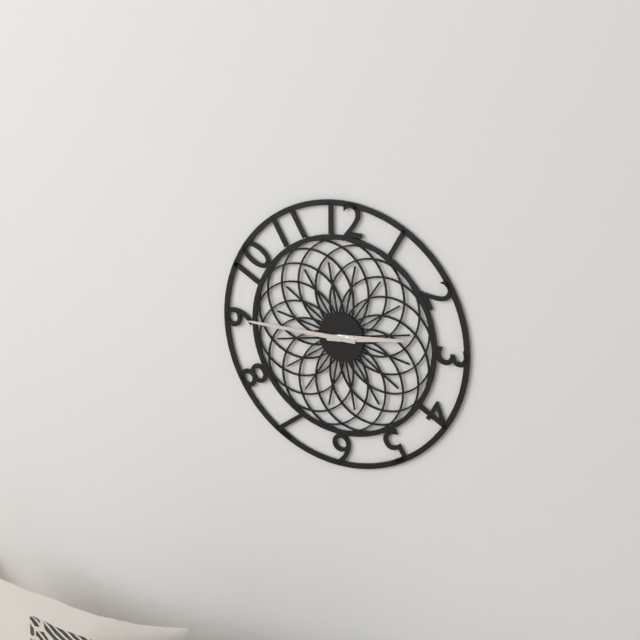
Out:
2.45
